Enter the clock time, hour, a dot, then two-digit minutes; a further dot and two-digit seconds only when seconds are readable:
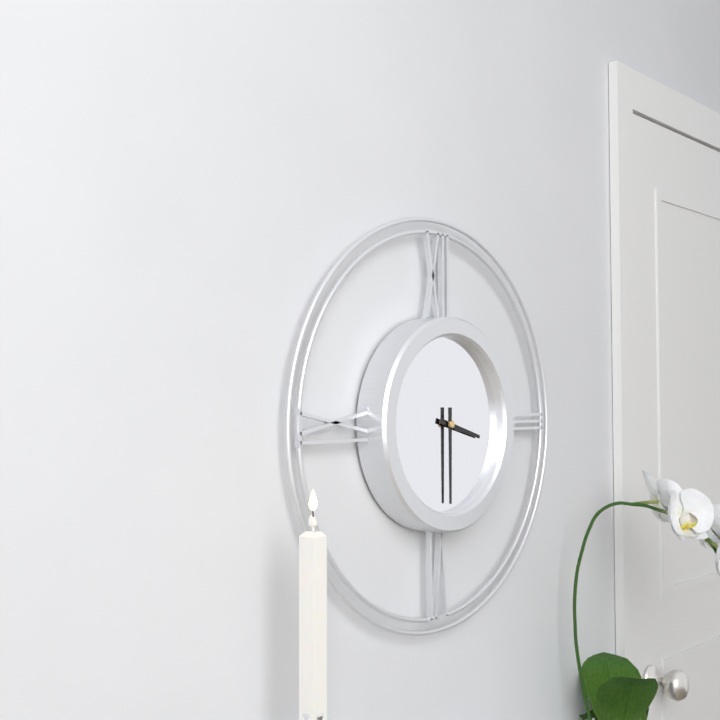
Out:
3.30
